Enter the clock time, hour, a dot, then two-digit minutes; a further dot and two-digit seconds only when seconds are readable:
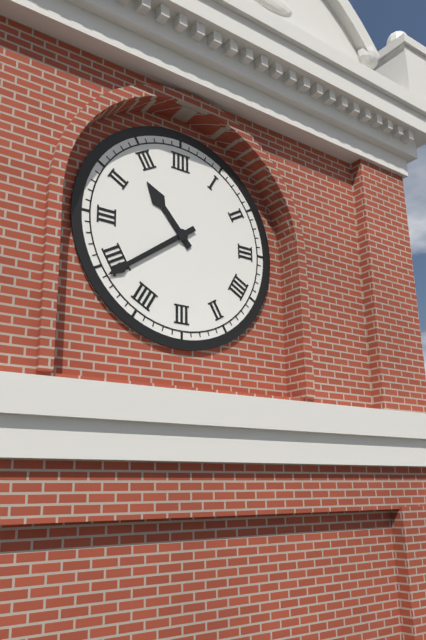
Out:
10.39
